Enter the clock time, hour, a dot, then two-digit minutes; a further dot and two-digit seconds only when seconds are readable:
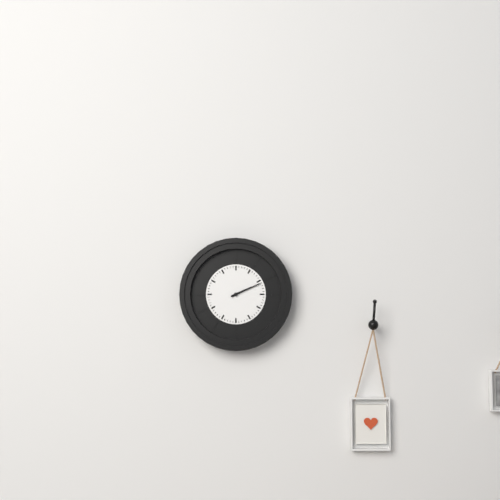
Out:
2.11
